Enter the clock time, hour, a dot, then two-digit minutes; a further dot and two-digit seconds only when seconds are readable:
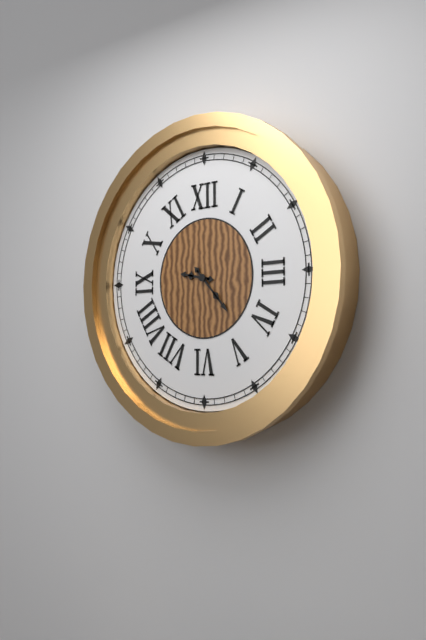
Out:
9.23
